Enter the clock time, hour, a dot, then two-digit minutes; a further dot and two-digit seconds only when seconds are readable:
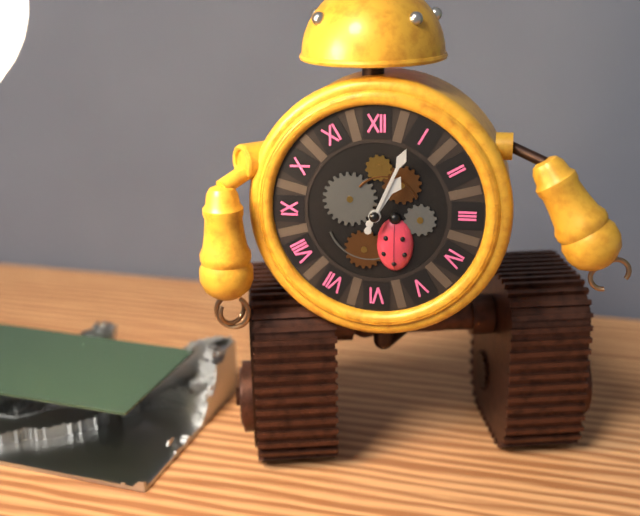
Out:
1.04
